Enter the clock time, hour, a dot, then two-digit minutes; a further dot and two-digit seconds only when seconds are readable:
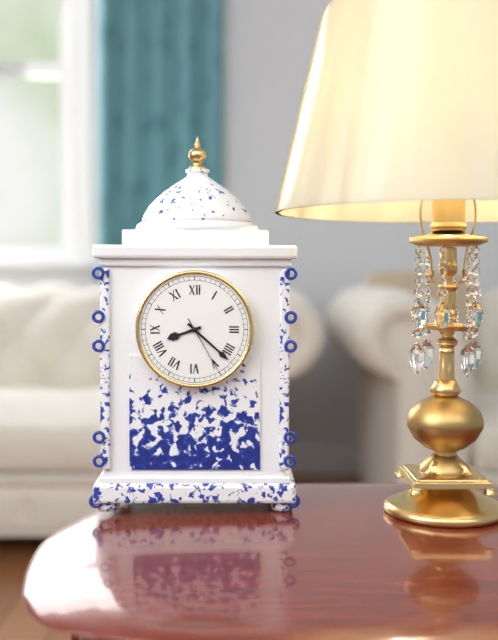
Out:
8.22.25
